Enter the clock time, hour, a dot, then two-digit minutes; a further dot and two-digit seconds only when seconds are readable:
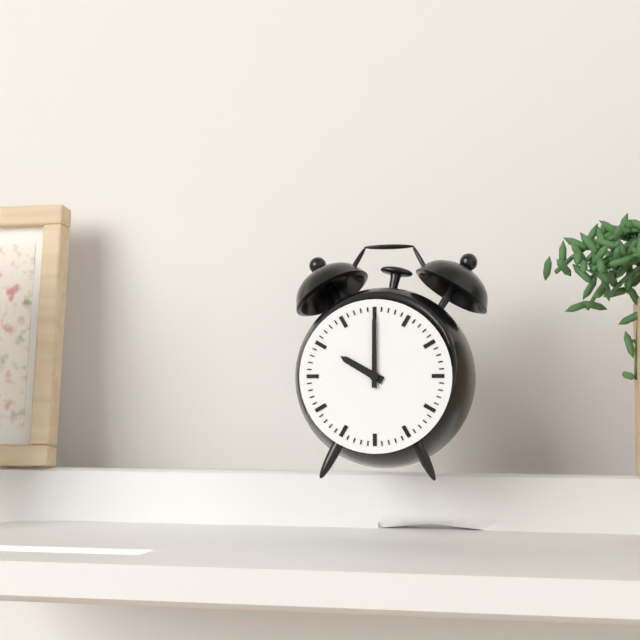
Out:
10.00
